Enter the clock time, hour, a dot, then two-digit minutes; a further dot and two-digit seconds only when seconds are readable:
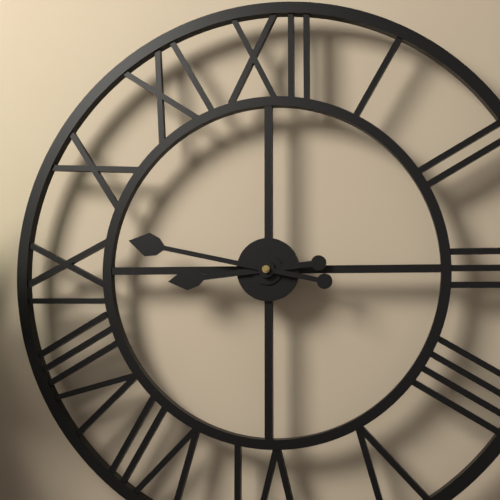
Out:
8.47
